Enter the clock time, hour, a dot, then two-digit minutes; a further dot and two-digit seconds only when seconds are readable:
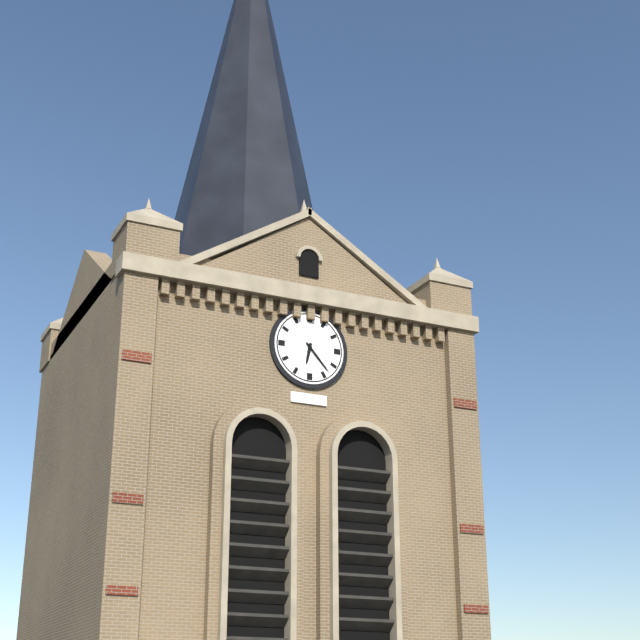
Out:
6.23
